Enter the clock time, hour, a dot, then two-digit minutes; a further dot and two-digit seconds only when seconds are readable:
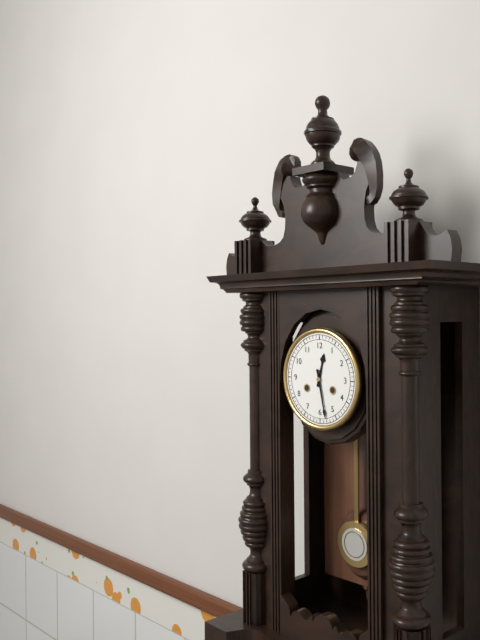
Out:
12.28
